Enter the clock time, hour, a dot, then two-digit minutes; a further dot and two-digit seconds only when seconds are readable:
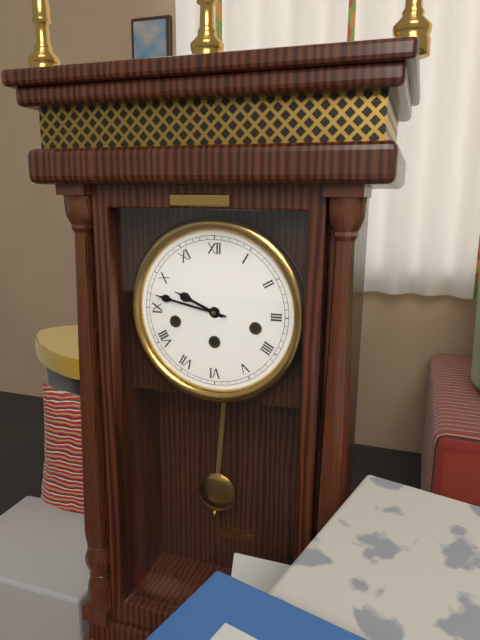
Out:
9.47
